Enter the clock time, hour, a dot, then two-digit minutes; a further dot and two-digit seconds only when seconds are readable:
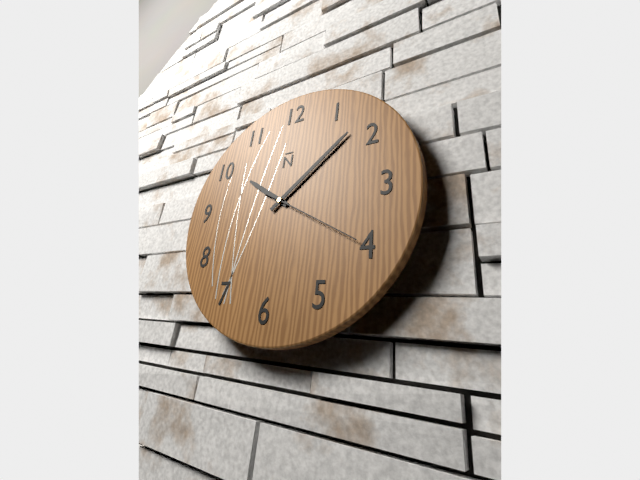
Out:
10.08.20
